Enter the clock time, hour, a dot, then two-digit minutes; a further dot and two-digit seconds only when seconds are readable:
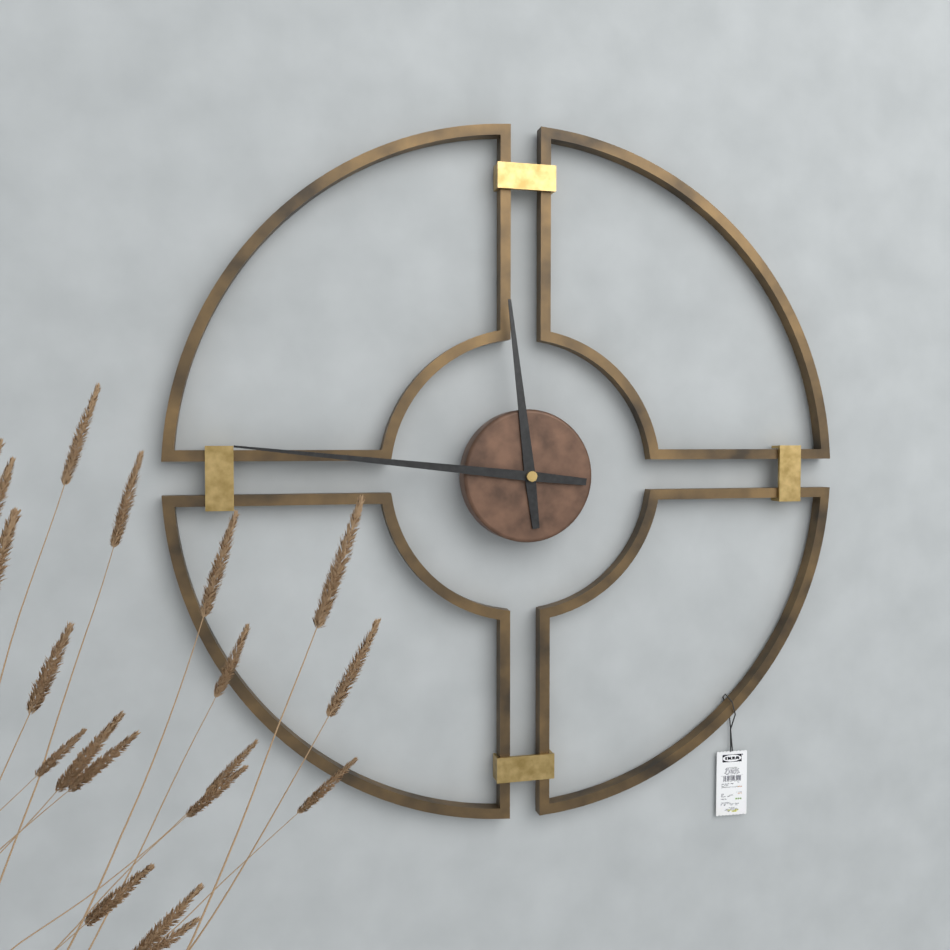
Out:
11.46
